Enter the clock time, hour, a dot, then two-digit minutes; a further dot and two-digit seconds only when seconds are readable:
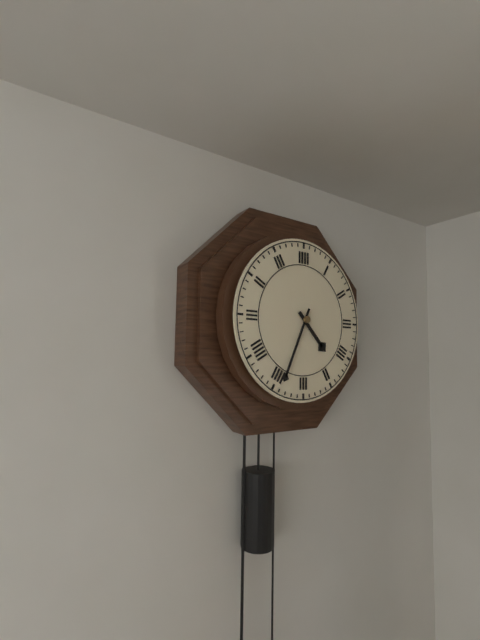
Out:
4.34
